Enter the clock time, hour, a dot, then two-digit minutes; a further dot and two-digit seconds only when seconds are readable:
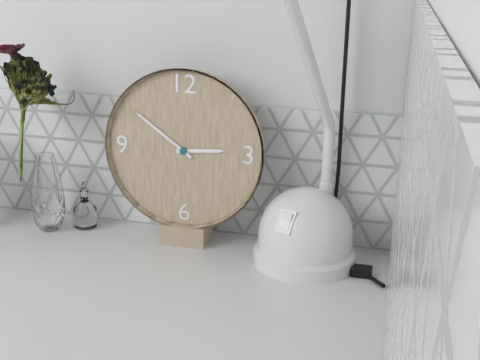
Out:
2.51
